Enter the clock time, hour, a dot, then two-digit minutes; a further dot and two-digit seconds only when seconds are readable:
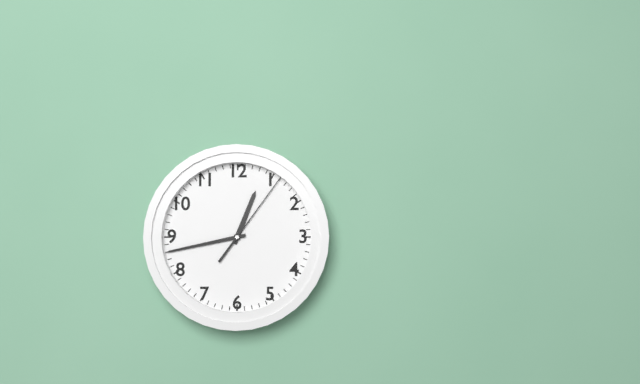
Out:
12.43.06
